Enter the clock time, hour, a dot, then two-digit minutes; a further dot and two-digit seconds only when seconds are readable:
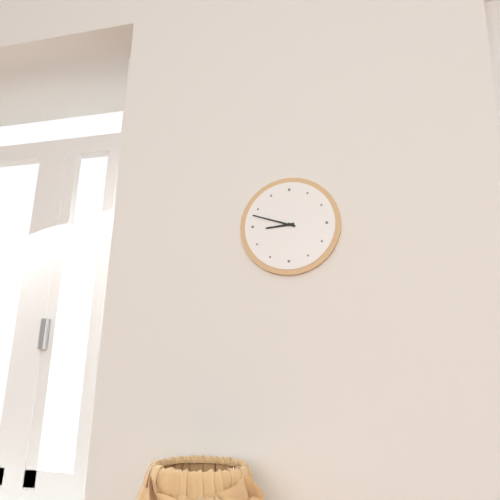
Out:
8.48
